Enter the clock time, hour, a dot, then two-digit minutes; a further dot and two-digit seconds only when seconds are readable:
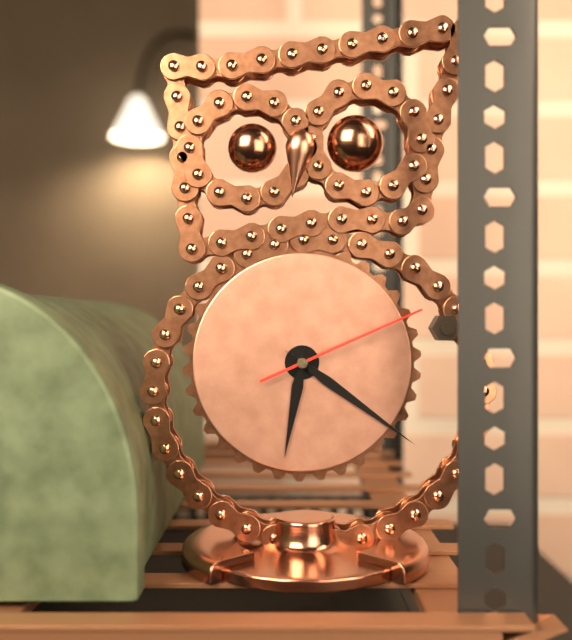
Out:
6.21.11
